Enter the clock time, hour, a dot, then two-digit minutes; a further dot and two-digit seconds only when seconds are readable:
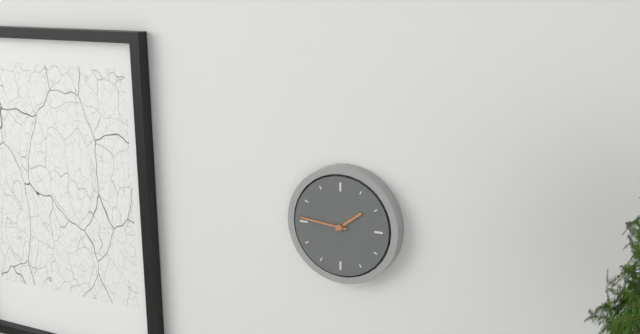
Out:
1.46
